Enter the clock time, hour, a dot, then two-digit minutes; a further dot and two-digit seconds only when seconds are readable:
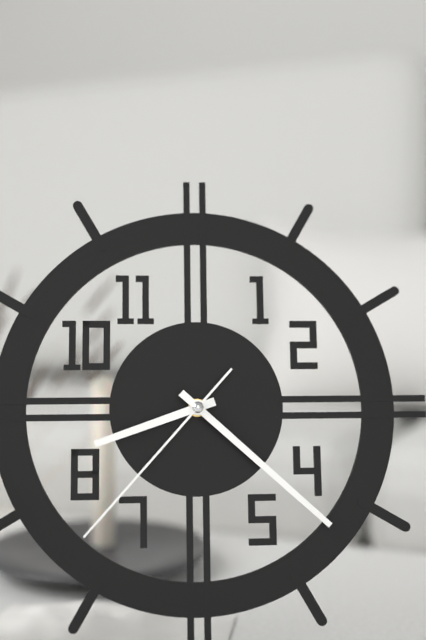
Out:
8.22.37
